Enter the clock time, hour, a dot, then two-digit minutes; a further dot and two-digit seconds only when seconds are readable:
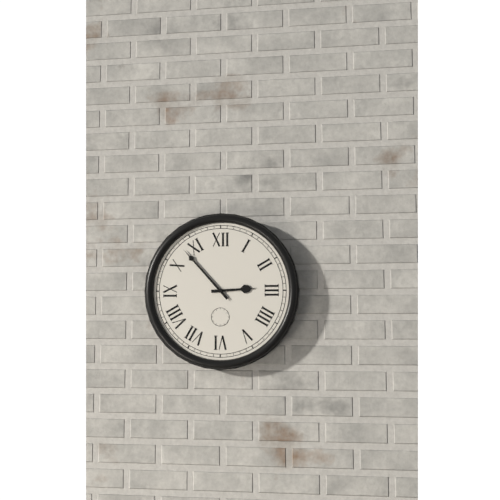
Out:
2.53
